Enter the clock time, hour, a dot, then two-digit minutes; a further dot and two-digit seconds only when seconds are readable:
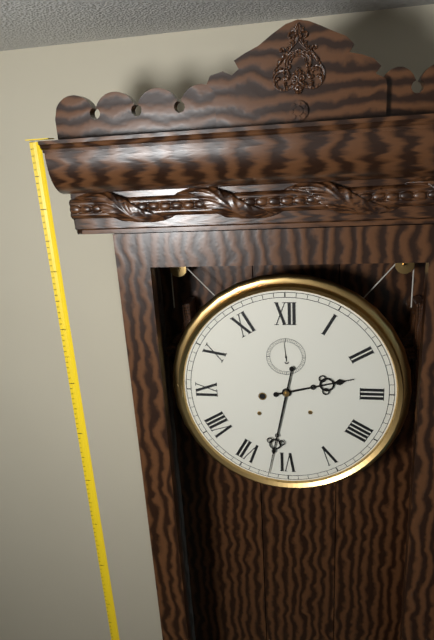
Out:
2.32
